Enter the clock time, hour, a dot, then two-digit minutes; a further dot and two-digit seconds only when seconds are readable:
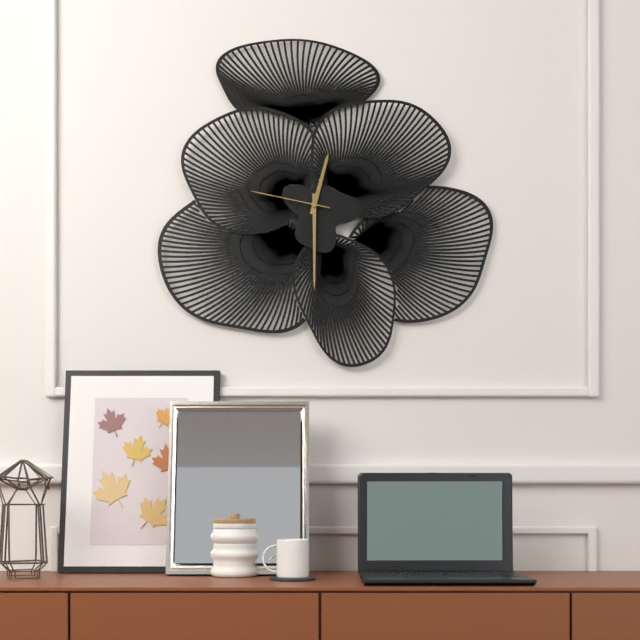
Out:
12.30.47
